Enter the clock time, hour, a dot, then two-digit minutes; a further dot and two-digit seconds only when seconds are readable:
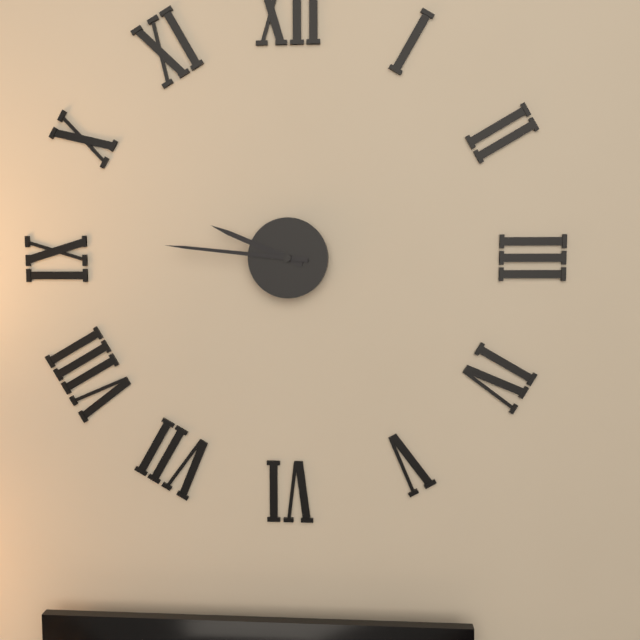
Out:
9.46
